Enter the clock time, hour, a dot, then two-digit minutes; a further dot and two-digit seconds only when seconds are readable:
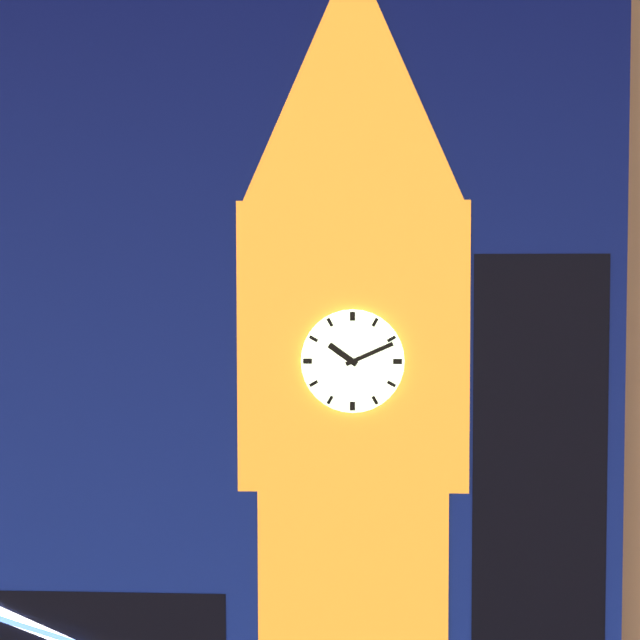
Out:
10.11
